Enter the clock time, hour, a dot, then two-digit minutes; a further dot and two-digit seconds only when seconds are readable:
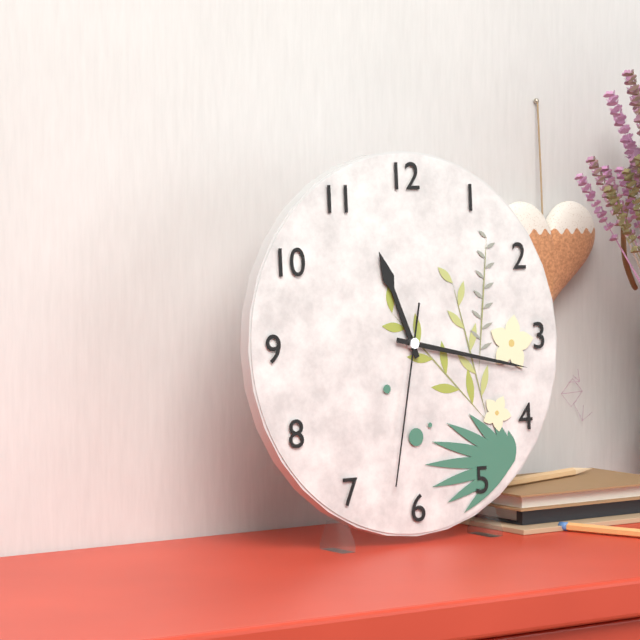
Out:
11.17.32
